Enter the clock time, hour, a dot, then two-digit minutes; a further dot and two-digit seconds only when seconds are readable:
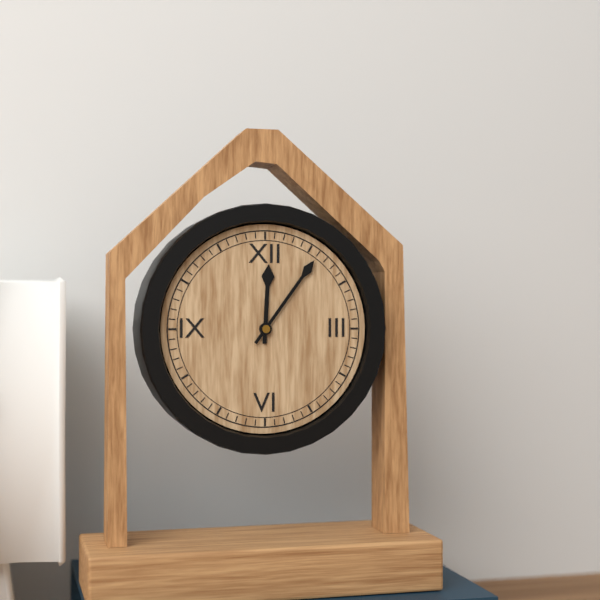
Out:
12.06
